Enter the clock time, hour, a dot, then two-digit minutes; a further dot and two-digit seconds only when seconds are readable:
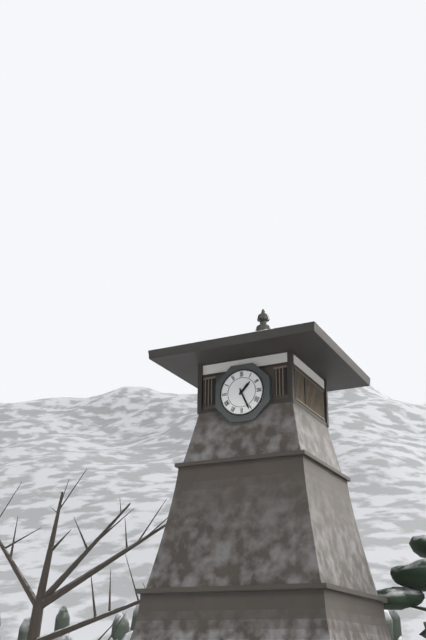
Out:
1.26
